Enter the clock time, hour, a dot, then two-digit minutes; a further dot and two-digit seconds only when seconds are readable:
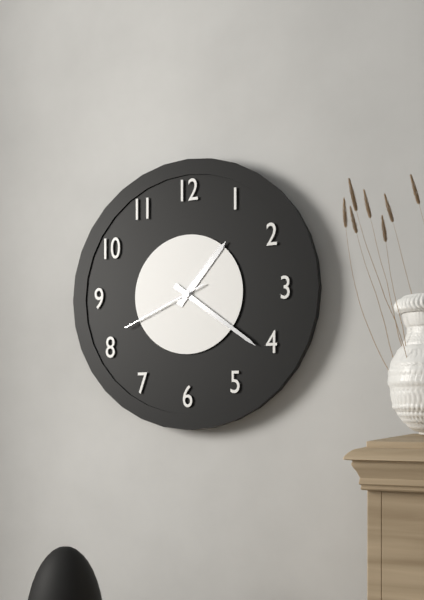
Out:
1.21.41
